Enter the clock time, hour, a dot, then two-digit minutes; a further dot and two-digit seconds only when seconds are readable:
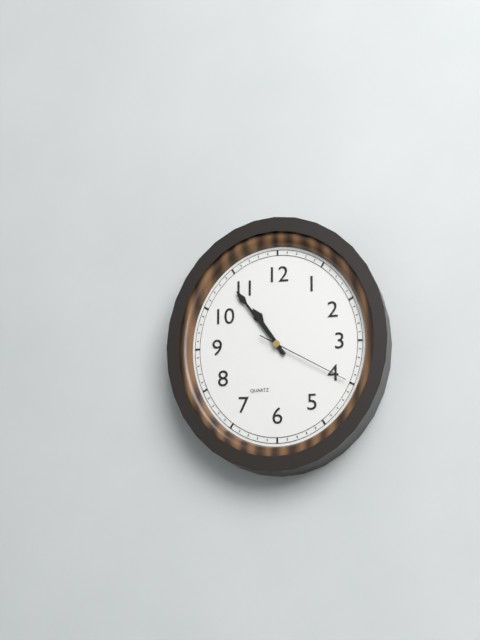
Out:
10.54.20
